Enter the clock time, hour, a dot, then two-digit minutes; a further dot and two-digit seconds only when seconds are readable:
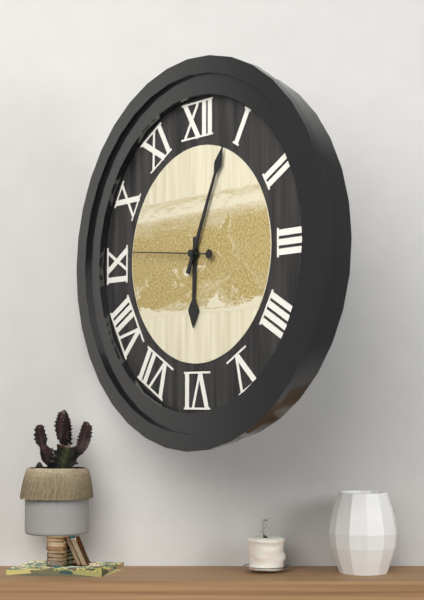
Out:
6.04.46
